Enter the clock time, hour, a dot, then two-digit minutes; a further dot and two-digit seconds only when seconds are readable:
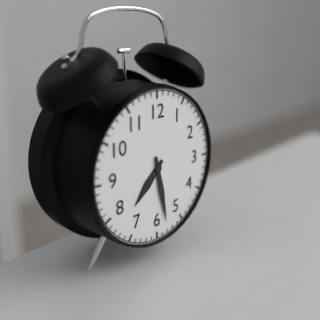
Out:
7.28
